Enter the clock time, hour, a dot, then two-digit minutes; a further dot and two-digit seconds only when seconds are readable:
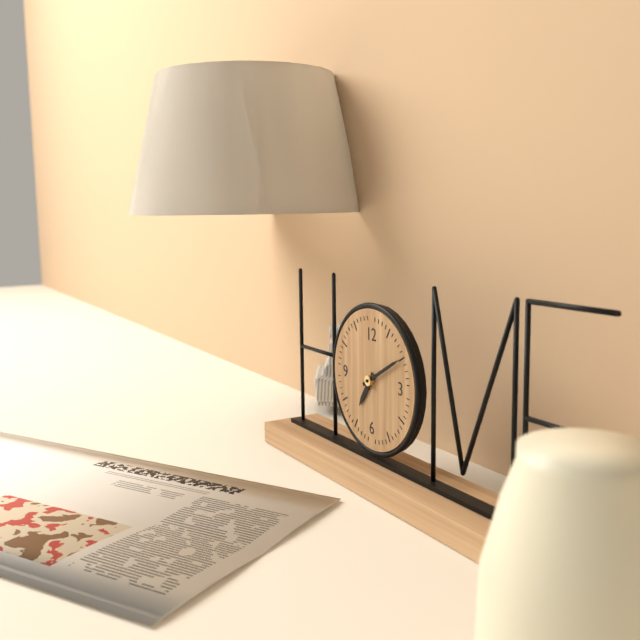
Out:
7.10
